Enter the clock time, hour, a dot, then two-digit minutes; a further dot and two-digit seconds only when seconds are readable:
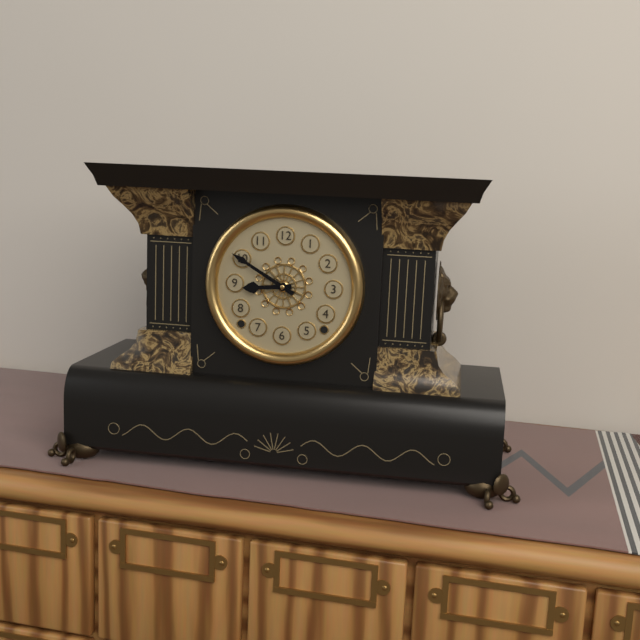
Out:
8.50
